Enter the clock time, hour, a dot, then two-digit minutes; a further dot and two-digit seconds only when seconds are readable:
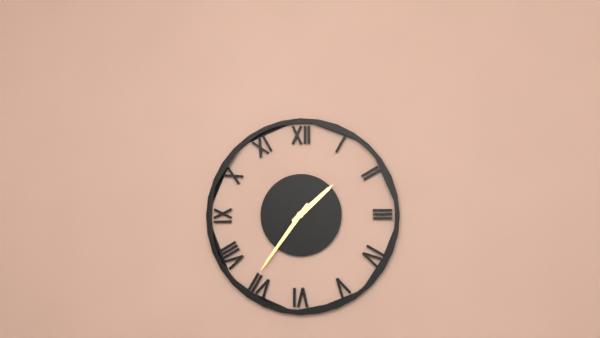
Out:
1.36
